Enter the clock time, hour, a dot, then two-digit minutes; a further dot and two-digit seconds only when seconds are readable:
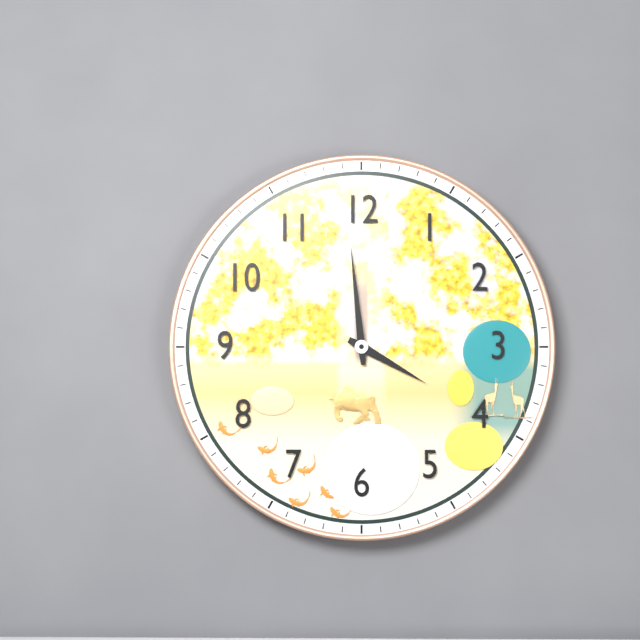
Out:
3.59
